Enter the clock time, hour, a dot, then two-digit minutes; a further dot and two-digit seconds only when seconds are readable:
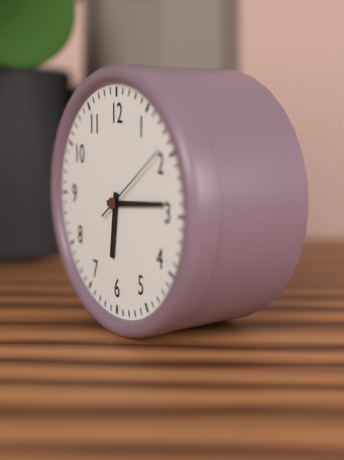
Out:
6.14.09
